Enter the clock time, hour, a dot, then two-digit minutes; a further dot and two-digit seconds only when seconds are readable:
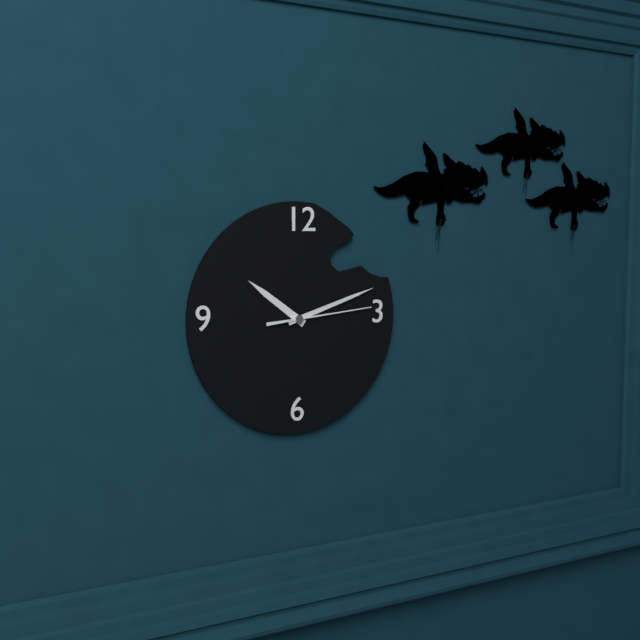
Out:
10.12.14
